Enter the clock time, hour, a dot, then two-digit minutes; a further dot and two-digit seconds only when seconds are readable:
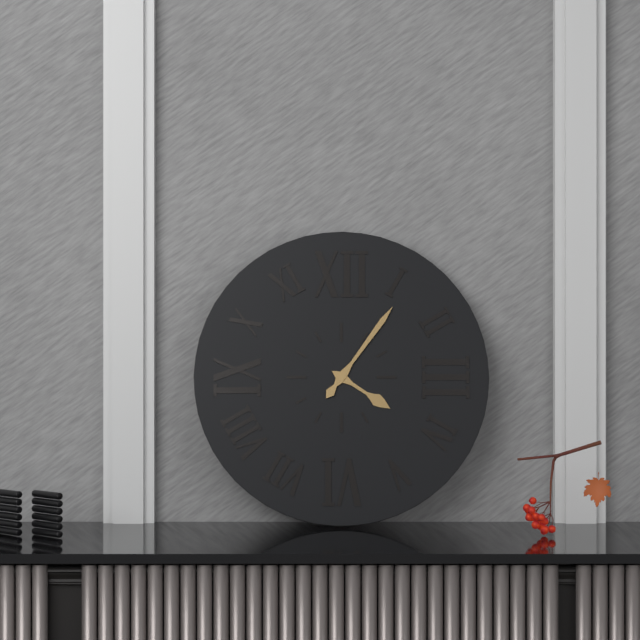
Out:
4.06
